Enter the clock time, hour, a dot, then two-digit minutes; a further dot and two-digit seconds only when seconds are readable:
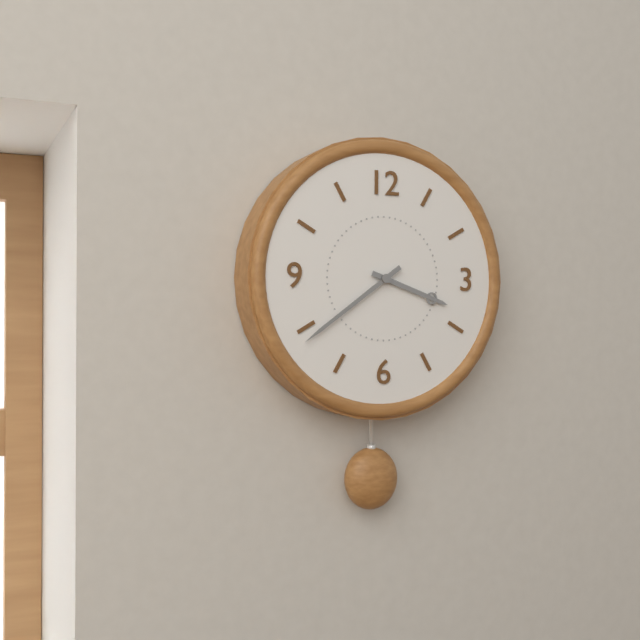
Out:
3.39
